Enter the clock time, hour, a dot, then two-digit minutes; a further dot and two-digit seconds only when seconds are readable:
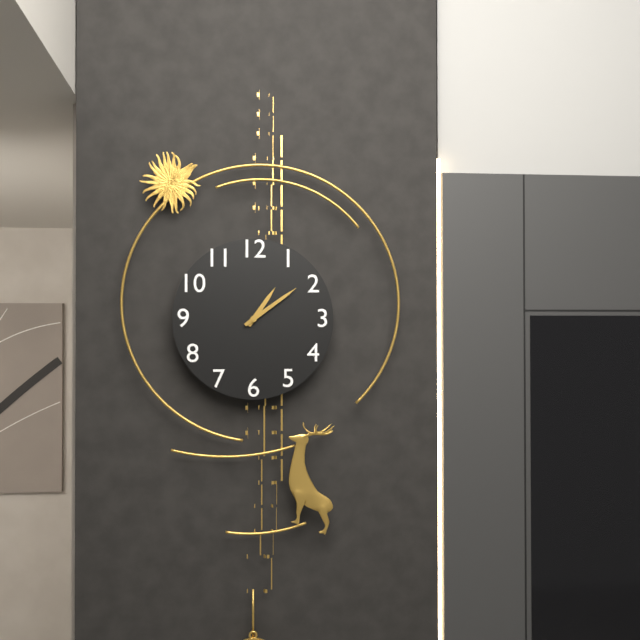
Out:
1.09
